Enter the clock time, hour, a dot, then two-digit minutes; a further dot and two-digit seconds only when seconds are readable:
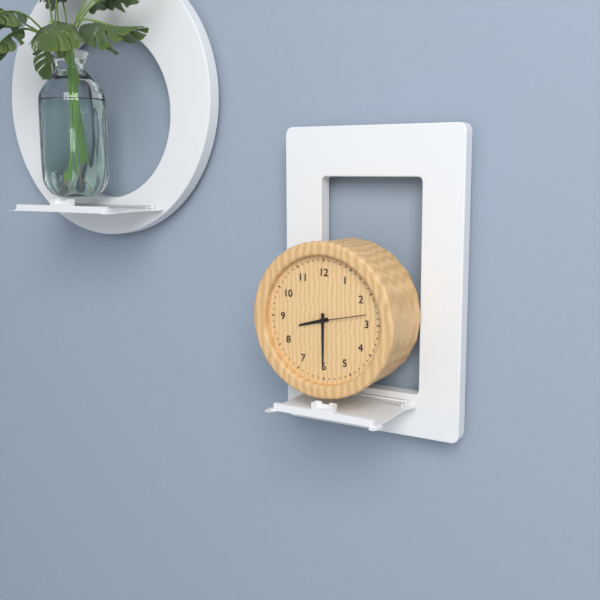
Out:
8.30.13
